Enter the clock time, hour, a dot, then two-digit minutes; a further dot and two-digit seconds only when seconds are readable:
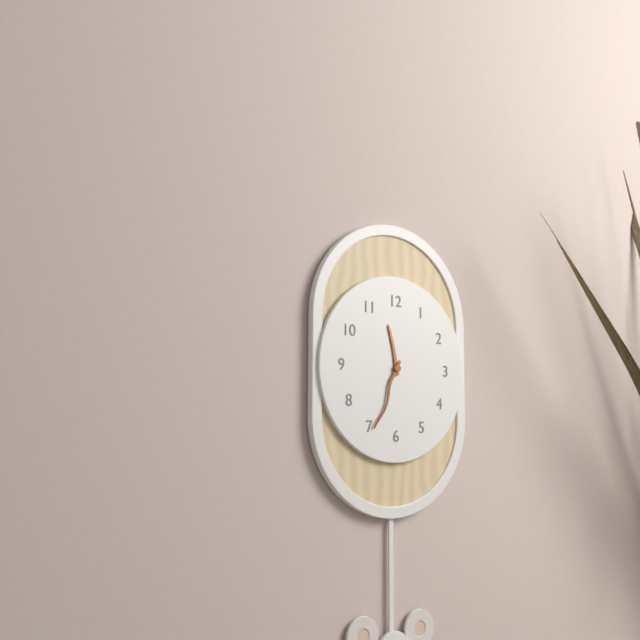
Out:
11.34
